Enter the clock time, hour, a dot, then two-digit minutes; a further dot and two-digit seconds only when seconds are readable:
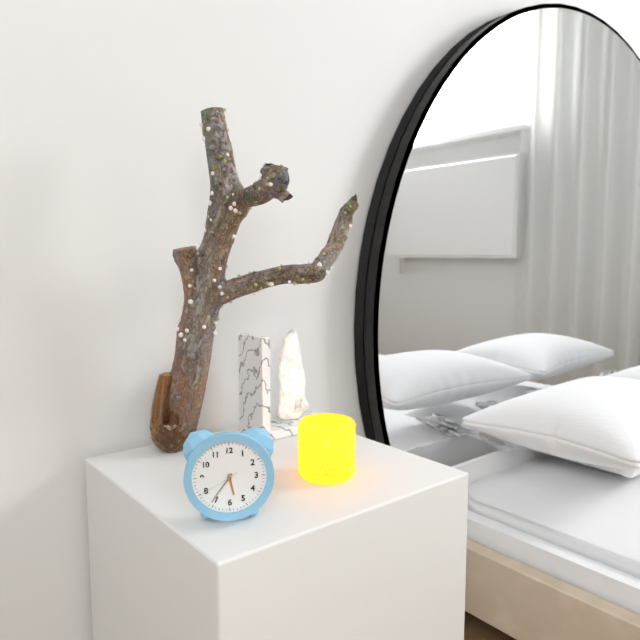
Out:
5.36
